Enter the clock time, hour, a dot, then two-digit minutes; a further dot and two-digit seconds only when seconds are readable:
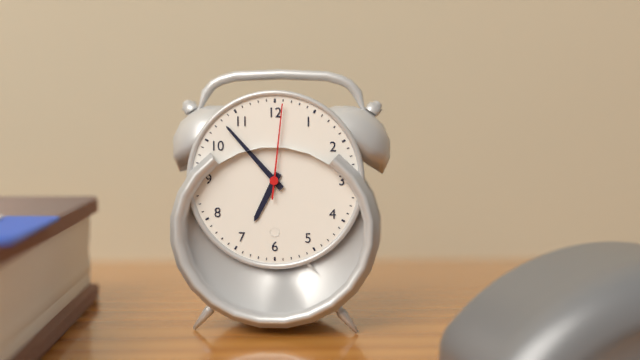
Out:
6.53.01
